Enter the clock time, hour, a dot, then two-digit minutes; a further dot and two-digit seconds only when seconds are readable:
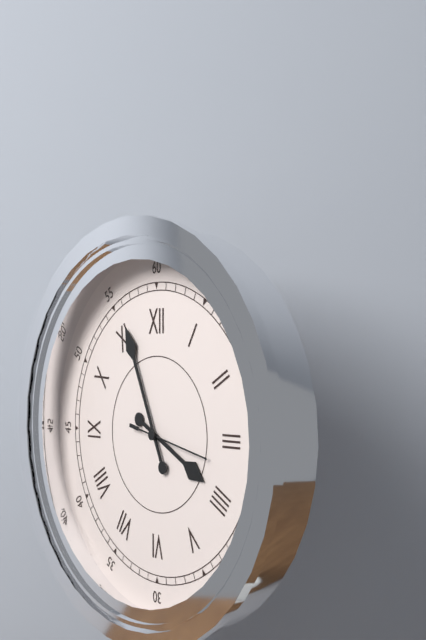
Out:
3.56.17
